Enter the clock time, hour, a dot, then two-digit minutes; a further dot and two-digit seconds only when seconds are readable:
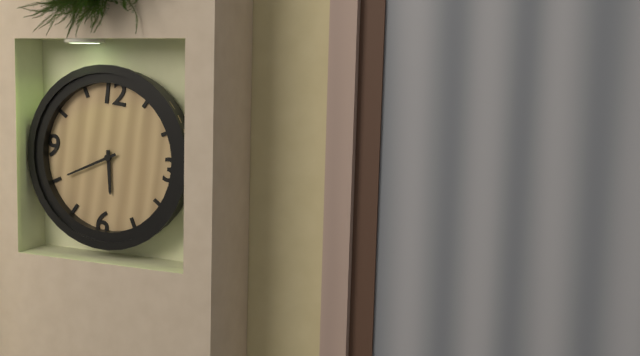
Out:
5.40
